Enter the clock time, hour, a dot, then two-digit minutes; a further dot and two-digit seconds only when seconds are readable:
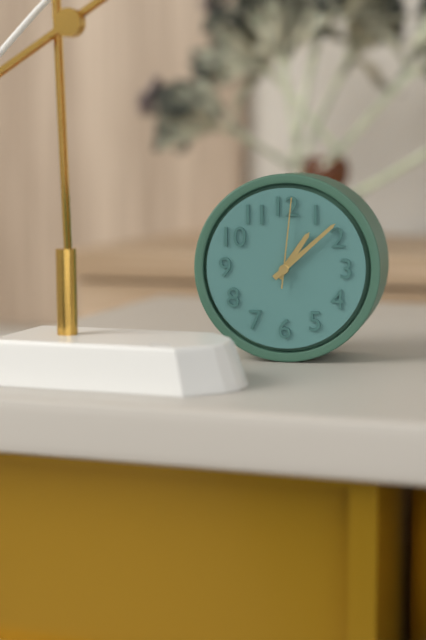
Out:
1.08.01
